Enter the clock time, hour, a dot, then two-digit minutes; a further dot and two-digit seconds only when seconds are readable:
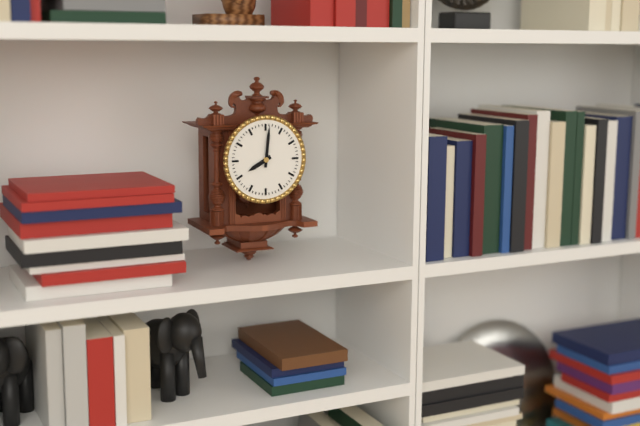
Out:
8.01
